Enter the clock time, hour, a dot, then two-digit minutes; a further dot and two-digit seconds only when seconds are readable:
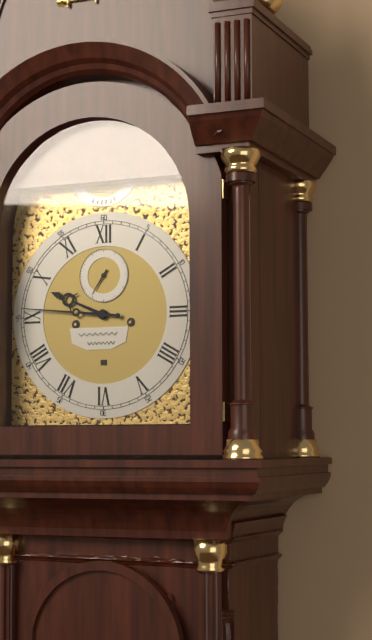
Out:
9.46
